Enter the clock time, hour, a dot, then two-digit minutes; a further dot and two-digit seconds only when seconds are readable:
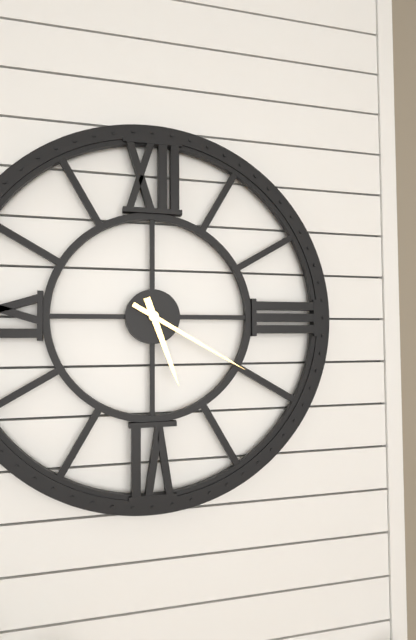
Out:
5.20
